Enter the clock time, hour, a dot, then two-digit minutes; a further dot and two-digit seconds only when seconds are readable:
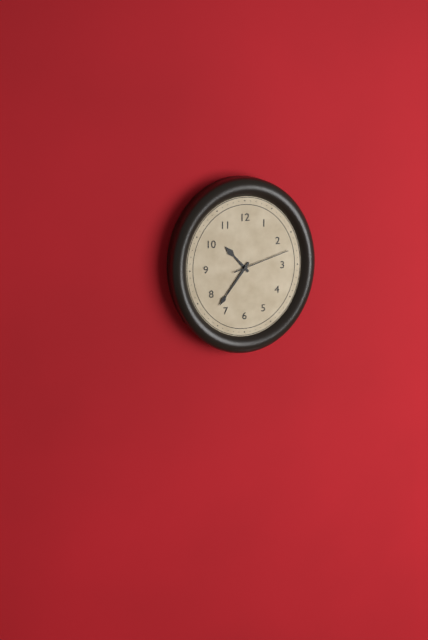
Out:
10.36.12
